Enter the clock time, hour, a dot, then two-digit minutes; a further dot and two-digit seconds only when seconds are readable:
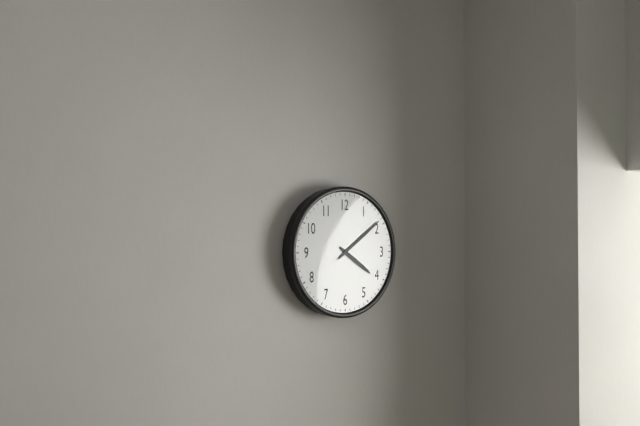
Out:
4.09
